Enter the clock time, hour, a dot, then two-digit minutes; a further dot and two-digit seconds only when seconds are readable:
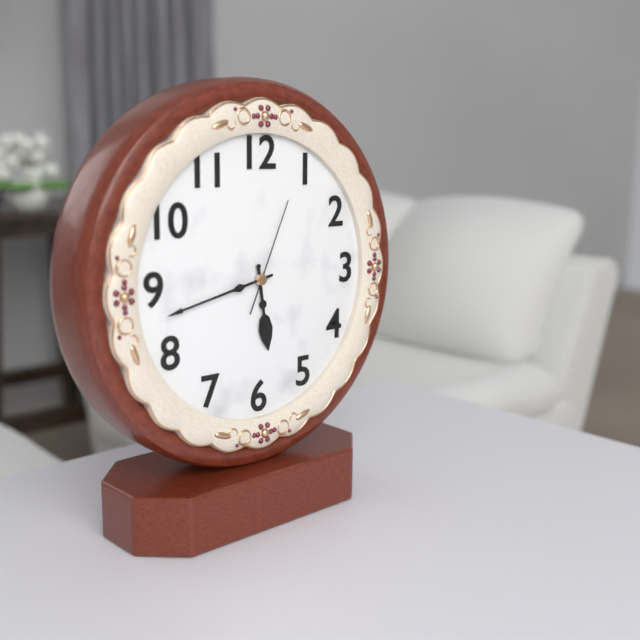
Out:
5.43.04
